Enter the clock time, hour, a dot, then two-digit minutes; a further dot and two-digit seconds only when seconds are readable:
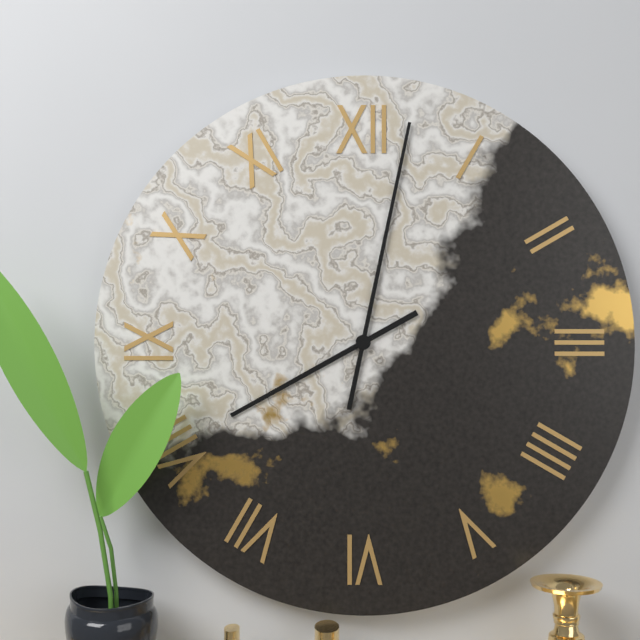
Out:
8.02
